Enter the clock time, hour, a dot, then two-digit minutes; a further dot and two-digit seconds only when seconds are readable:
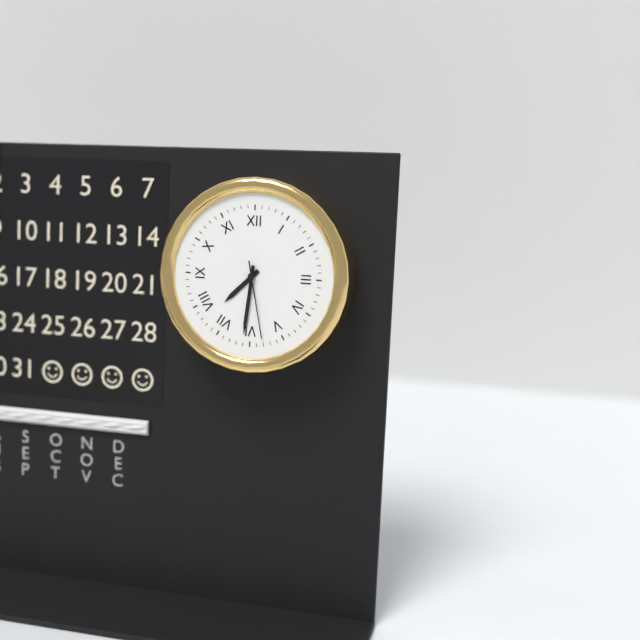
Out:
7.31.28
